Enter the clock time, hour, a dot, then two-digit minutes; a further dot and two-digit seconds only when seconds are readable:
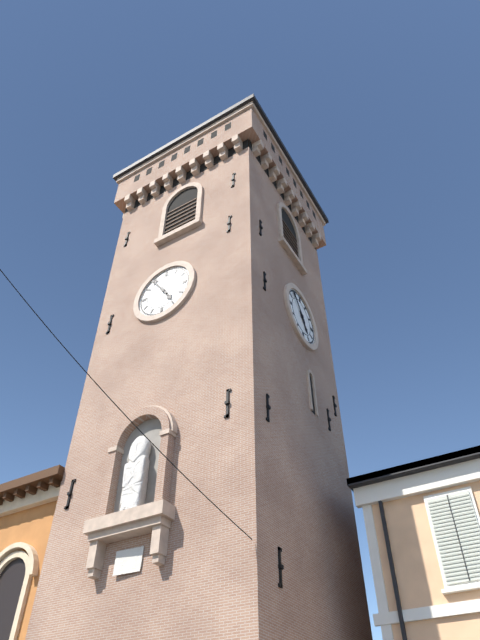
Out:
4.54
